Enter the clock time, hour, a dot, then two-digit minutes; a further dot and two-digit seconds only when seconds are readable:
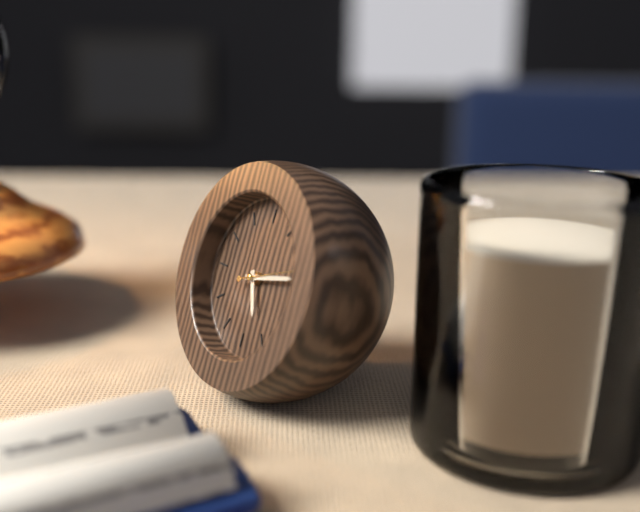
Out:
5.13
